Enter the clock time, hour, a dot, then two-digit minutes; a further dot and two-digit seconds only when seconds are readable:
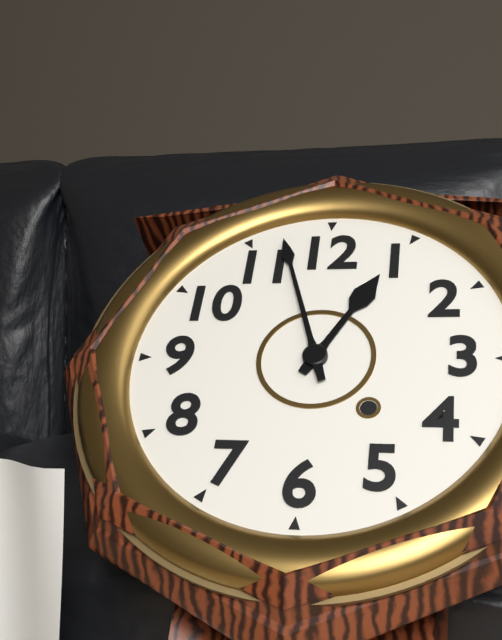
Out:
12.57
